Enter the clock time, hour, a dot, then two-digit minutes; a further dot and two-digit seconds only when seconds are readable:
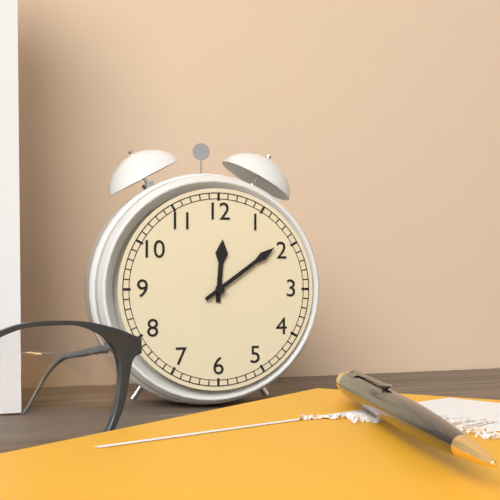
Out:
12.09
